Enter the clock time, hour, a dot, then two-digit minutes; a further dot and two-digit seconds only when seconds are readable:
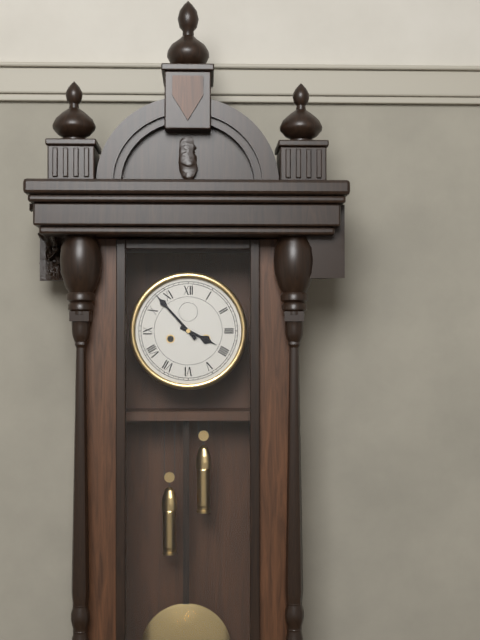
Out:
3.53
